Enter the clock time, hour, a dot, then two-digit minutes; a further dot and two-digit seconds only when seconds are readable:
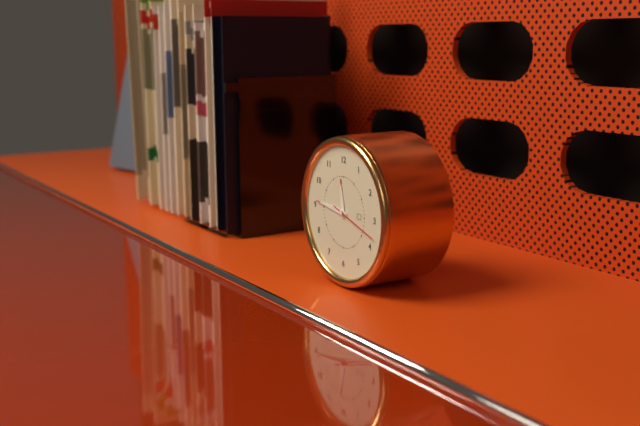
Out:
11.46
